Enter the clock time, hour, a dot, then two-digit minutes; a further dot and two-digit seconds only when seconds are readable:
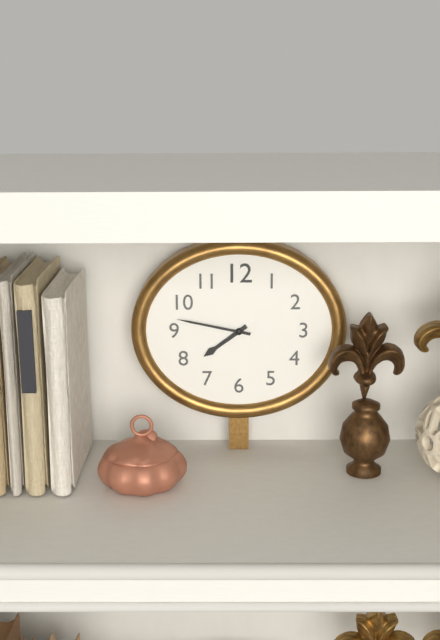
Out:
7.47
